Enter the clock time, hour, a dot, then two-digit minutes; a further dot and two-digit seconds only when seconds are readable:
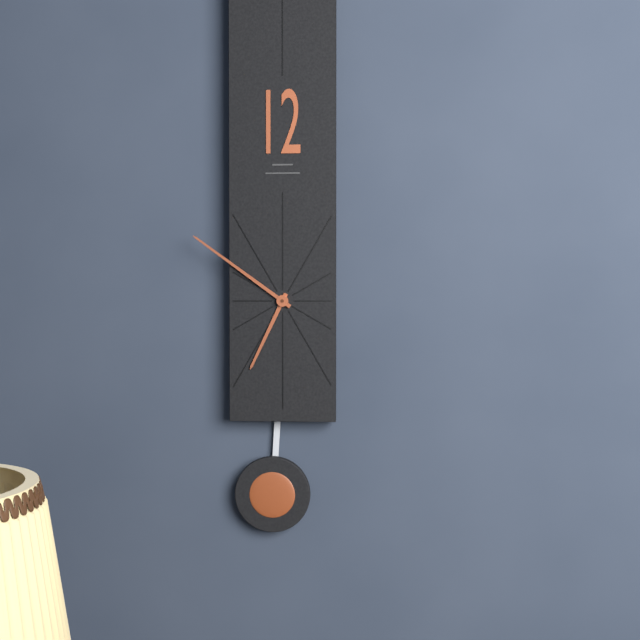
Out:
6.51
